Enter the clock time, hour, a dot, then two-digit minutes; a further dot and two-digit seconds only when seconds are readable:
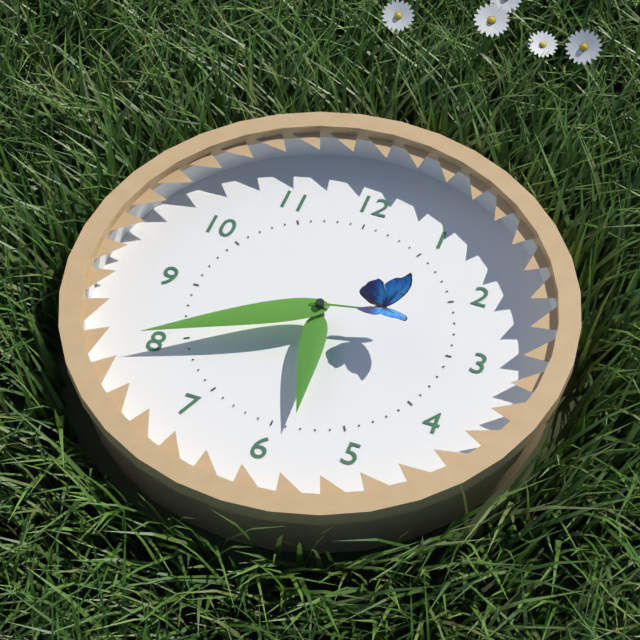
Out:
5.40.13
